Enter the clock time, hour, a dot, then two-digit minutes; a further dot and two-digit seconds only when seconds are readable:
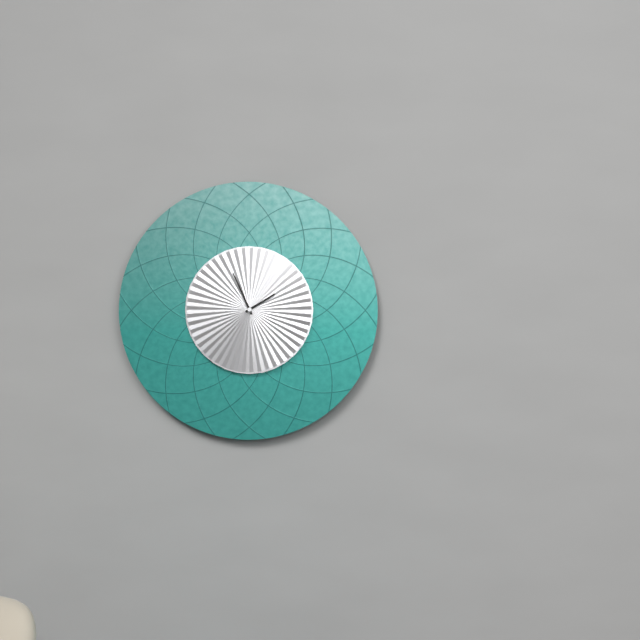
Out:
1.56
